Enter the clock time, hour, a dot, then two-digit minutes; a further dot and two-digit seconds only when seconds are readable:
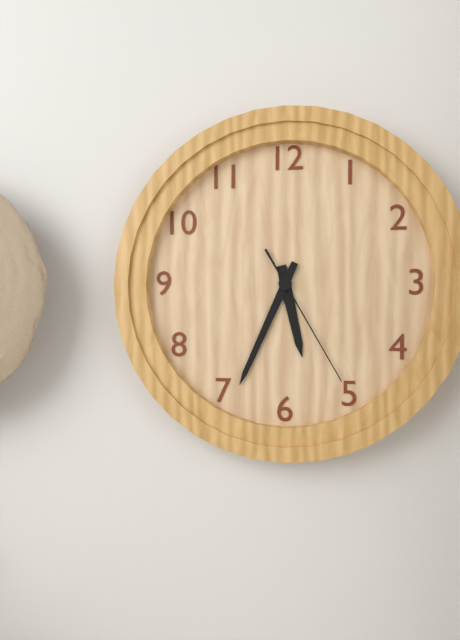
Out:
5.34.25
